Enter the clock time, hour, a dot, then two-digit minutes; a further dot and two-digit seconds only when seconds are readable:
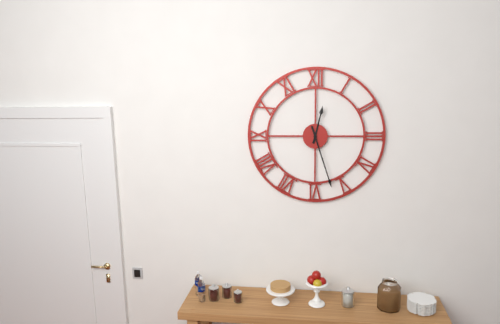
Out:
12.27
